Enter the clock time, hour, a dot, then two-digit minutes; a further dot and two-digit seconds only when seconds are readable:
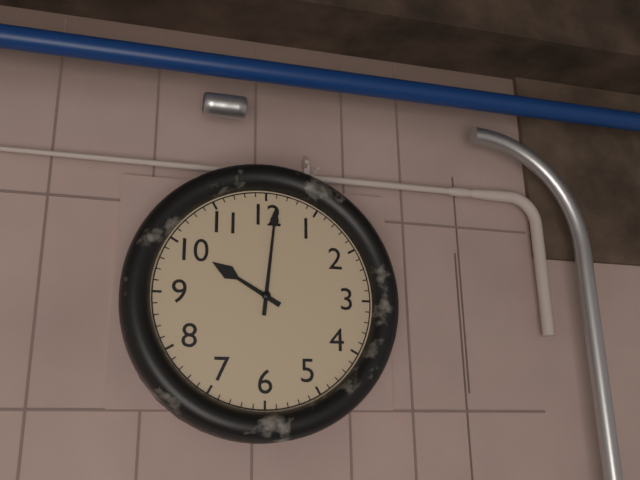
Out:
10.01
